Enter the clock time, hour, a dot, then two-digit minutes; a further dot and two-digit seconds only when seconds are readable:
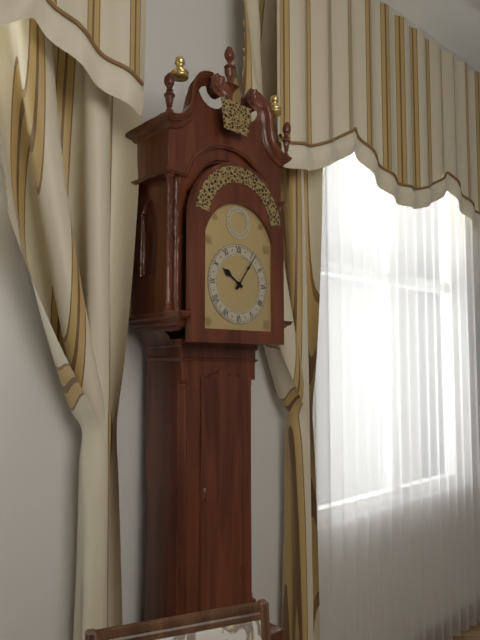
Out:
10.06
